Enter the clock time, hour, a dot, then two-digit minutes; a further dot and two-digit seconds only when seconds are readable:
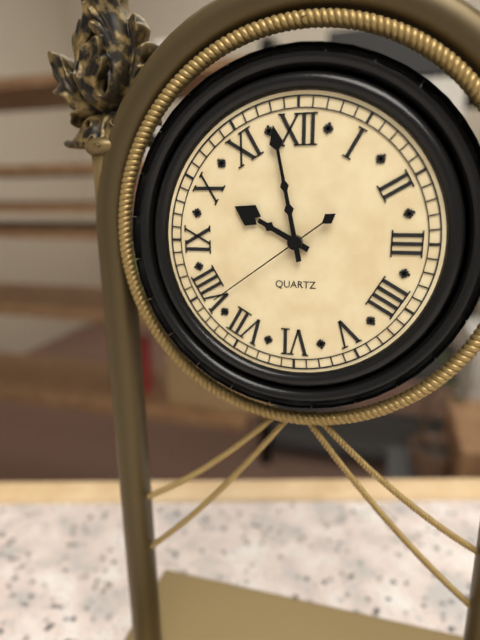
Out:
9.58.39
